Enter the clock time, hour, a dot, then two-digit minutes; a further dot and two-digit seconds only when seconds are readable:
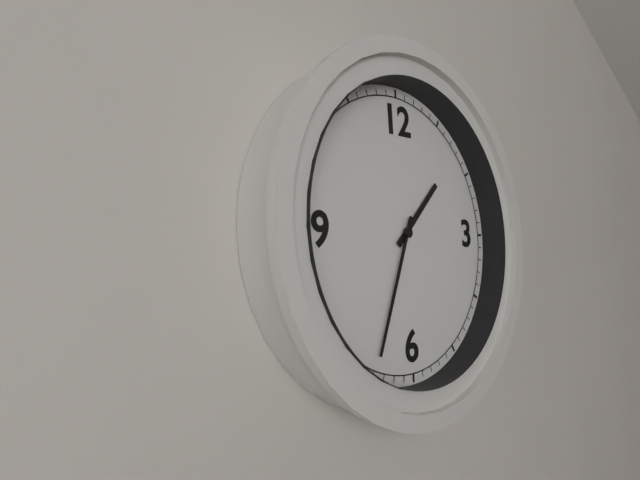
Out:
1.34
